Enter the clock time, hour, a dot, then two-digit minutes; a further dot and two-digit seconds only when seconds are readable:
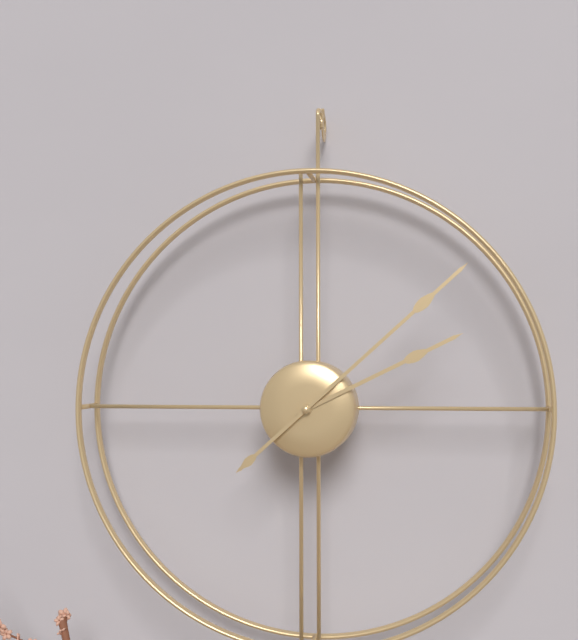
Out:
2.08
